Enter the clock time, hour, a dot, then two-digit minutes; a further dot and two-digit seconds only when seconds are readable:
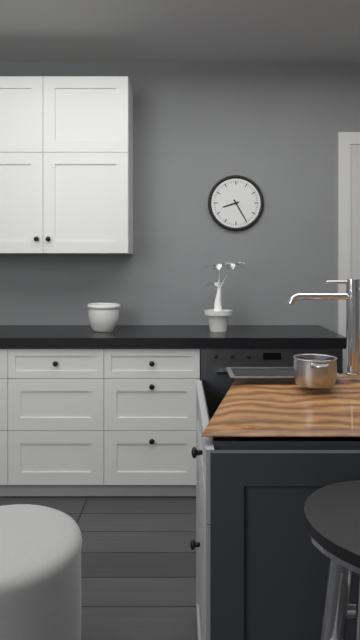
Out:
8.25
